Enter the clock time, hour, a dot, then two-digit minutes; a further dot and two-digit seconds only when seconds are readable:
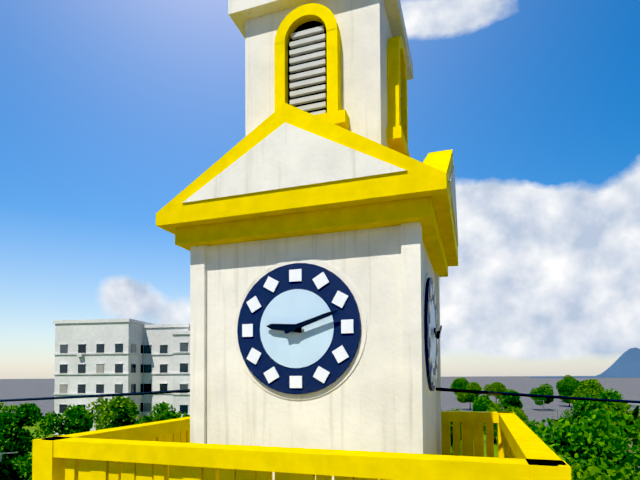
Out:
9.12
